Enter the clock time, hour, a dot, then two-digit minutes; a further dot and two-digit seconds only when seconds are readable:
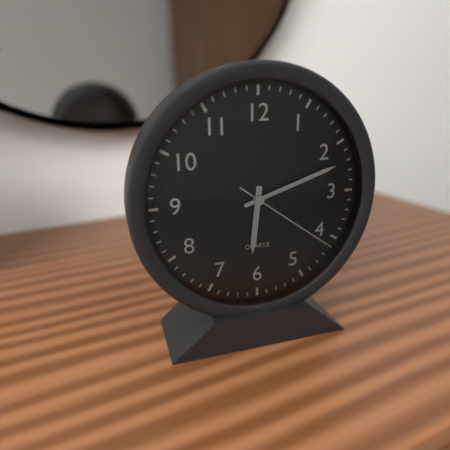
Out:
6.12.21
